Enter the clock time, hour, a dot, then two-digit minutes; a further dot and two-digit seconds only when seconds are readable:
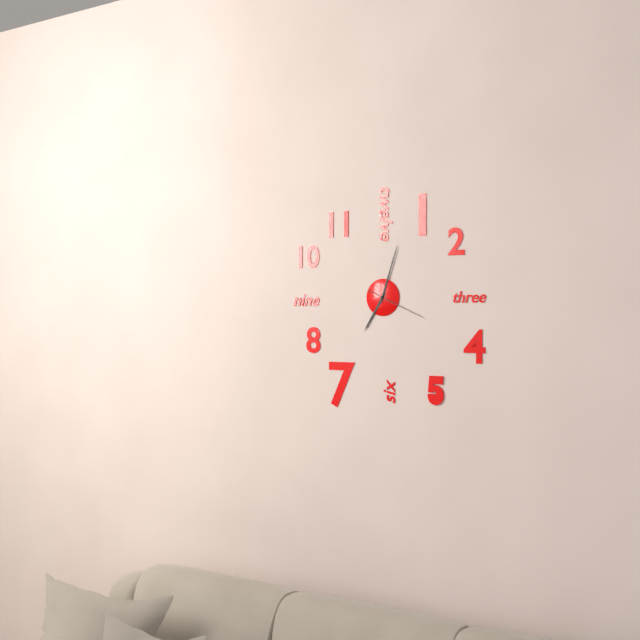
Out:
7.03.19
